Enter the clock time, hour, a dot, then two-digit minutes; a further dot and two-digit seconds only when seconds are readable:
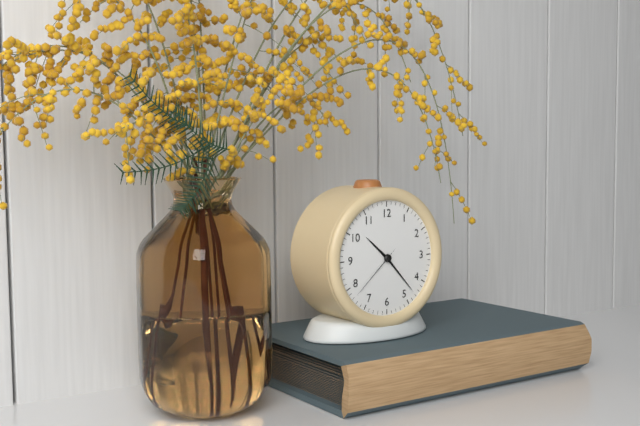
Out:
10.23.38
